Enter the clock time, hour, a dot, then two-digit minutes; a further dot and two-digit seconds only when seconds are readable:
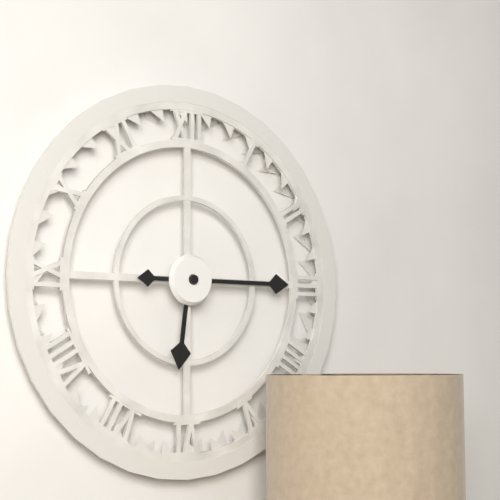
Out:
6.15
